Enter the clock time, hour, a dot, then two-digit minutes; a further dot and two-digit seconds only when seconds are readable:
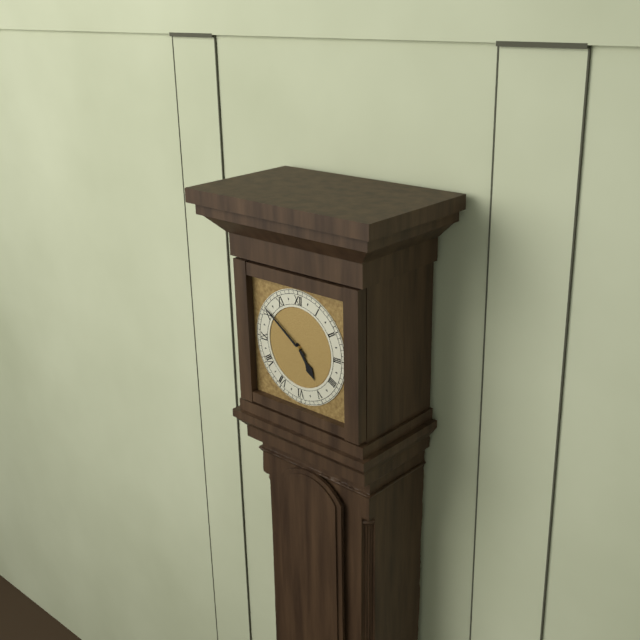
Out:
4.51
